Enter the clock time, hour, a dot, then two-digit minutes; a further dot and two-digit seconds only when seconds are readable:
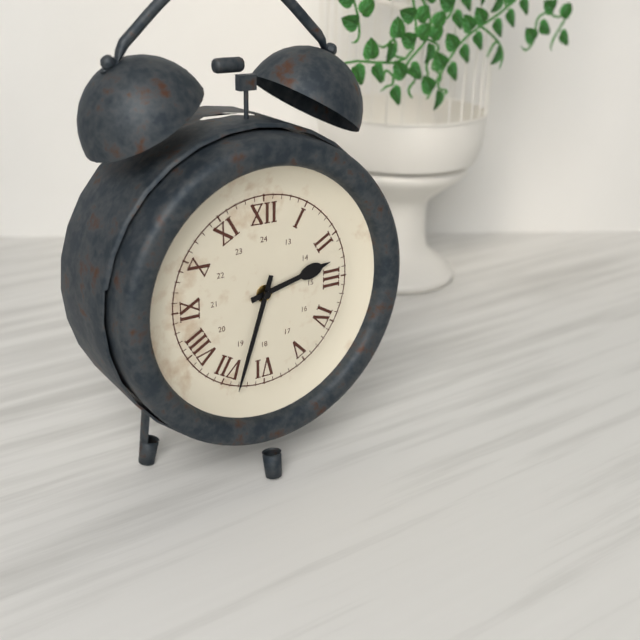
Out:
2.33
